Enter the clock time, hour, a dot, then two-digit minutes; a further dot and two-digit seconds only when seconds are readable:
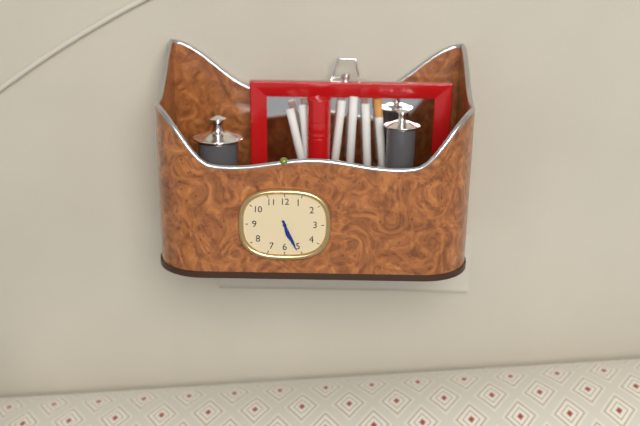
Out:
5.26
